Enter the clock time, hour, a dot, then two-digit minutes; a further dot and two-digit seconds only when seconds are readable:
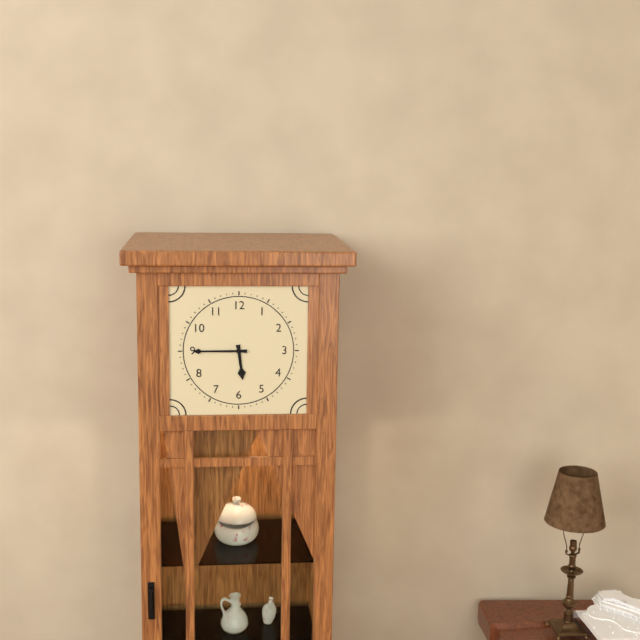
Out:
5.45
